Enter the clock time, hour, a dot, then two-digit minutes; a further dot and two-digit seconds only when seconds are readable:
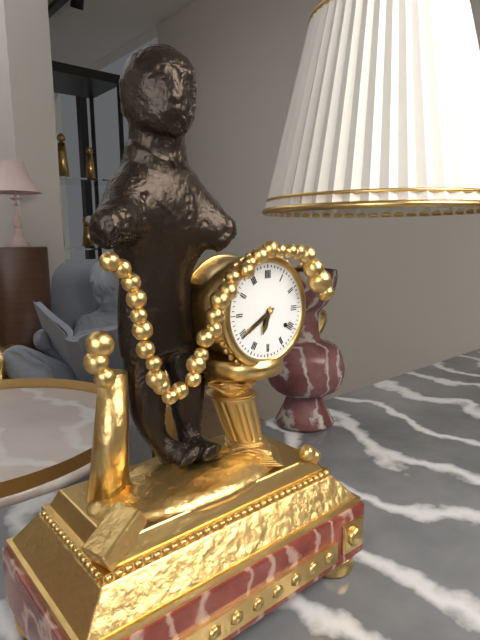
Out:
6.40
